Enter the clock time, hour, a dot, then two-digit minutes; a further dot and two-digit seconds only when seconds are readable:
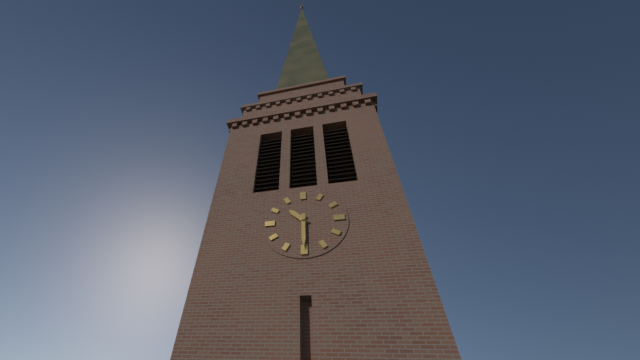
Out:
10.30
